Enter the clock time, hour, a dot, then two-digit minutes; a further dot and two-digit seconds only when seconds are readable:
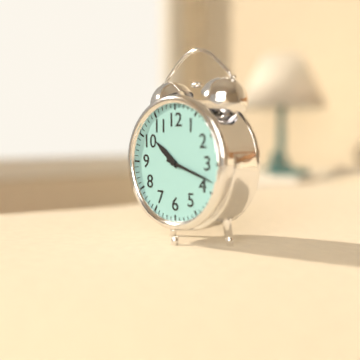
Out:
10.18
